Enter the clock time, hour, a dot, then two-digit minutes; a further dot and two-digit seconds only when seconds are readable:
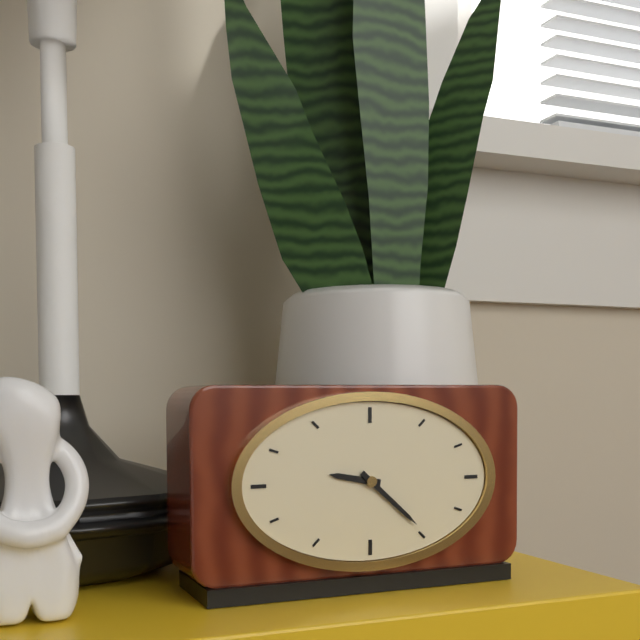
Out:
9.22
